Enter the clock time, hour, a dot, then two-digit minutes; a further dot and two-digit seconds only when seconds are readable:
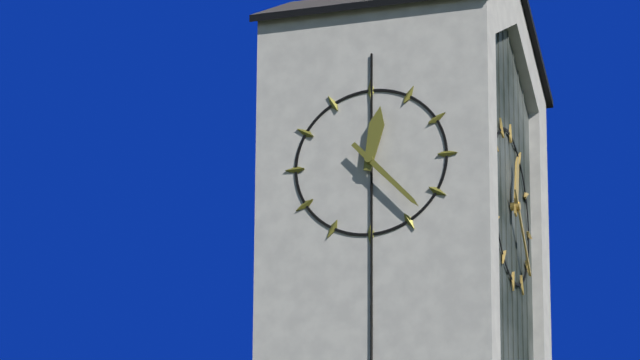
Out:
12.23
